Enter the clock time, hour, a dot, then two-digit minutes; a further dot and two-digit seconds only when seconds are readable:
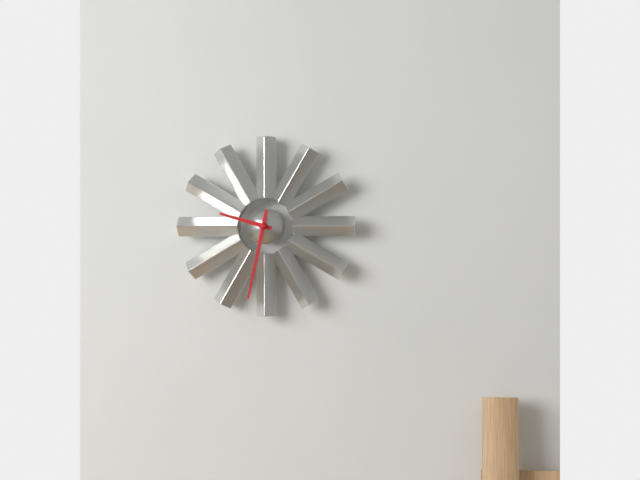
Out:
9.32
